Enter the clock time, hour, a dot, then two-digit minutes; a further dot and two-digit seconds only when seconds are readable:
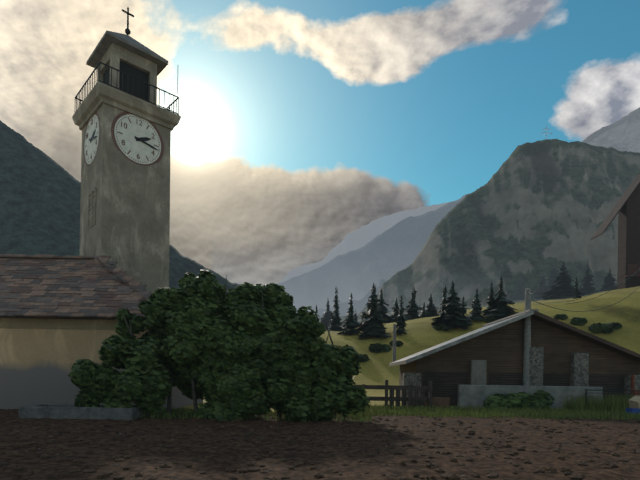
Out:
2.17
